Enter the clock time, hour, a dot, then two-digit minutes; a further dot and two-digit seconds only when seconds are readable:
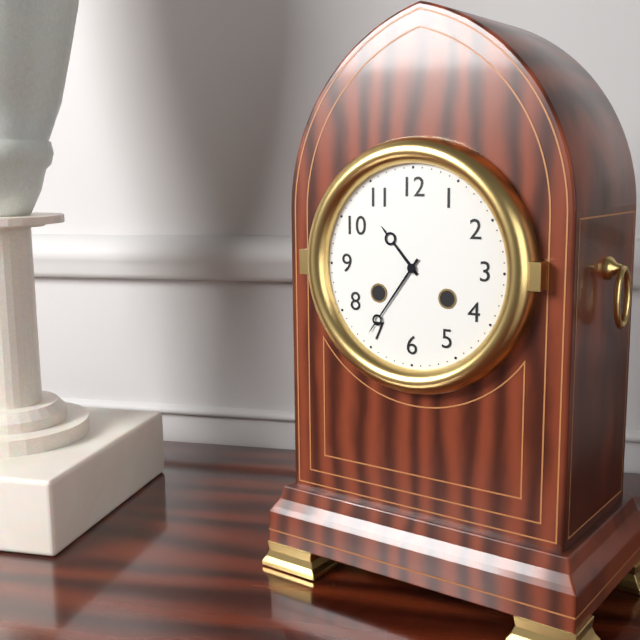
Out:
10.36
